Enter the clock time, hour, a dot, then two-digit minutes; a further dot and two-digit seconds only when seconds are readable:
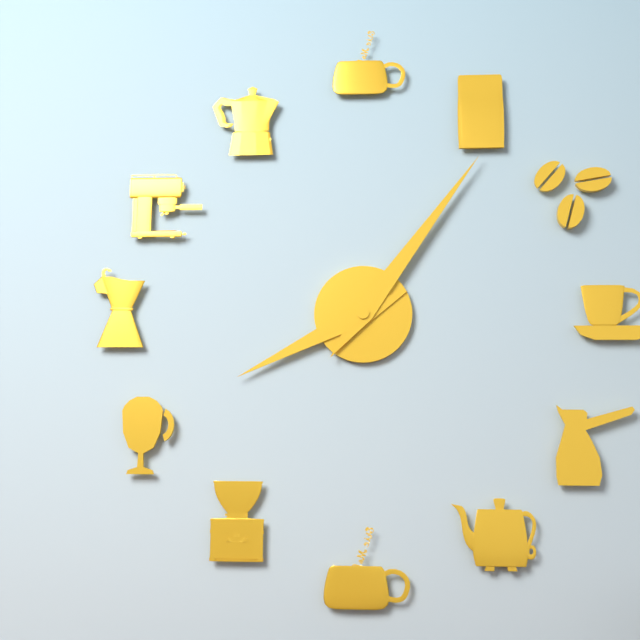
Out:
8.06
